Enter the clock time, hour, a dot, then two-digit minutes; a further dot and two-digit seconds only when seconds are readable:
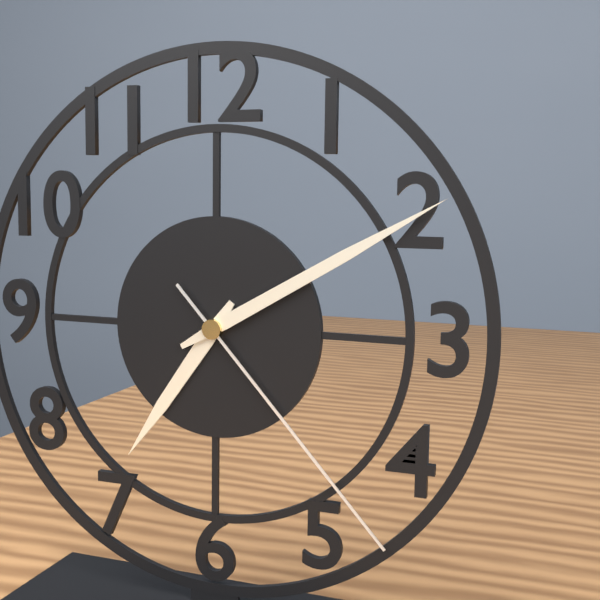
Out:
7.10.23
